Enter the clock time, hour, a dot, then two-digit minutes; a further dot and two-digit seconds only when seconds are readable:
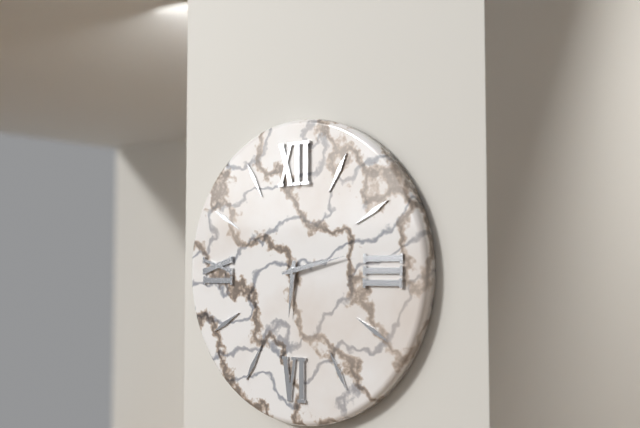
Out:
6.13
